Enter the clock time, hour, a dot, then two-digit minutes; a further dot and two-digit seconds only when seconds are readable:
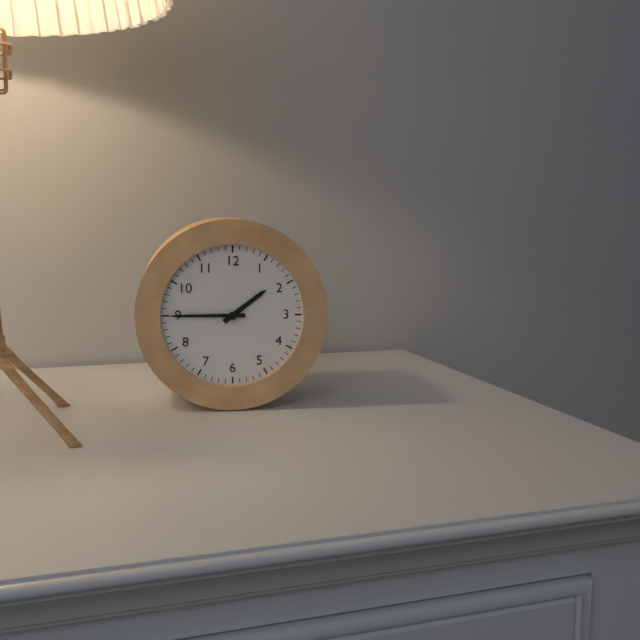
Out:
1.45
